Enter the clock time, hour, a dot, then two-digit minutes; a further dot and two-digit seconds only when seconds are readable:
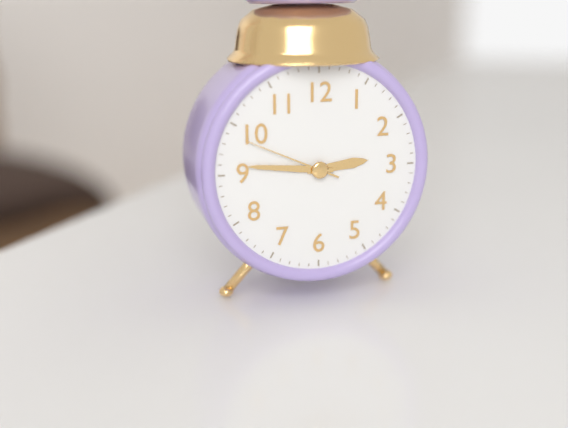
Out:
2.46.49
